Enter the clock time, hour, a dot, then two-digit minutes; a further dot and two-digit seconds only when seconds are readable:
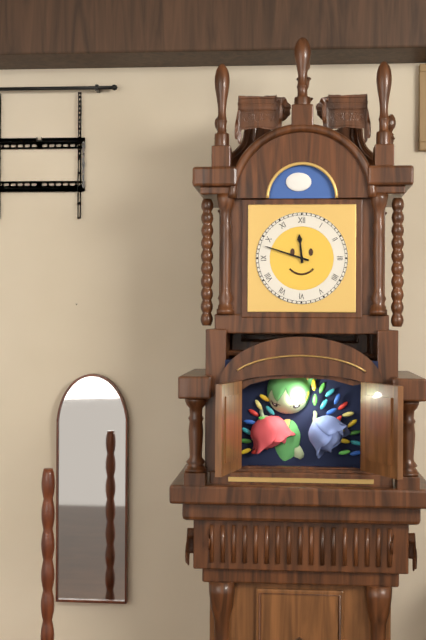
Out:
11.48
